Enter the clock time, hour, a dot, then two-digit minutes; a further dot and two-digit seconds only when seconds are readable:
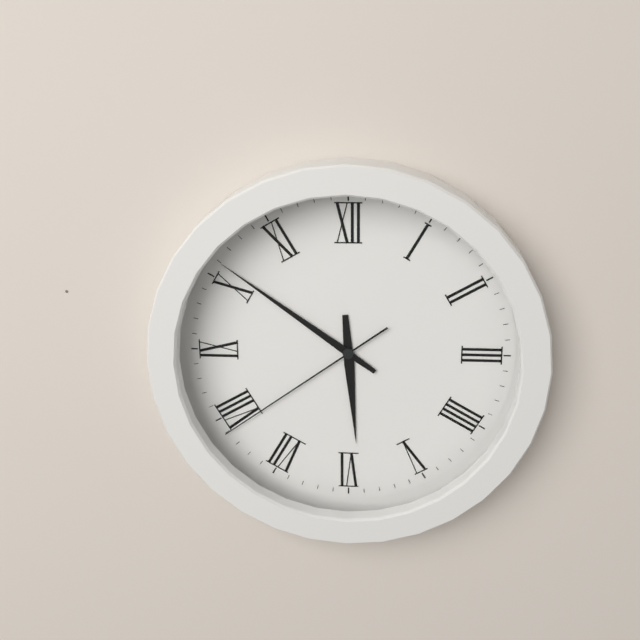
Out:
5.51.39
